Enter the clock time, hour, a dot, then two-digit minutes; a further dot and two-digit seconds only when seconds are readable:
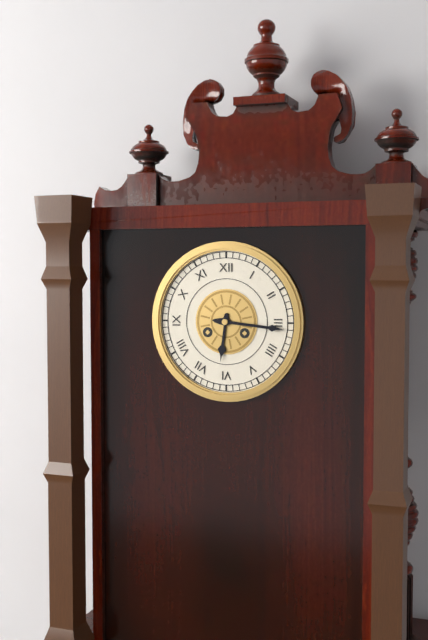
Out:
6.16
